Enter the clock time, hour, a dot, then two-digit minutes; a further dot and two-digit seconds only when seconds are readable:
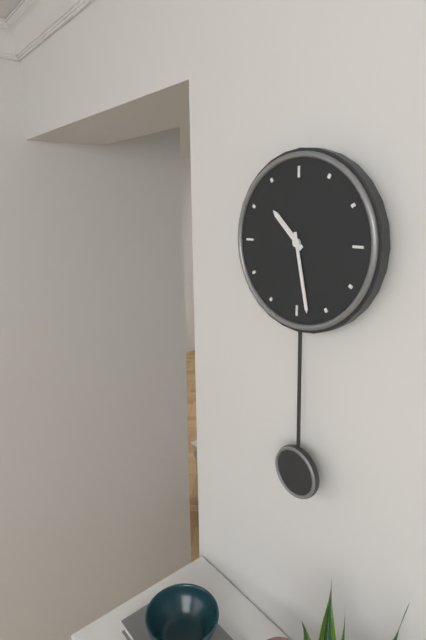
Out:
10.28
